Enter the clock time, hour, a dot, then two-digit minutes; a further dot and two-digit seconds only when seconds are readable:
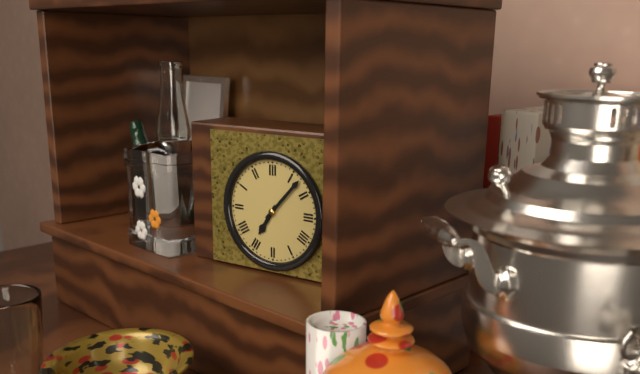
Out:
7.07
